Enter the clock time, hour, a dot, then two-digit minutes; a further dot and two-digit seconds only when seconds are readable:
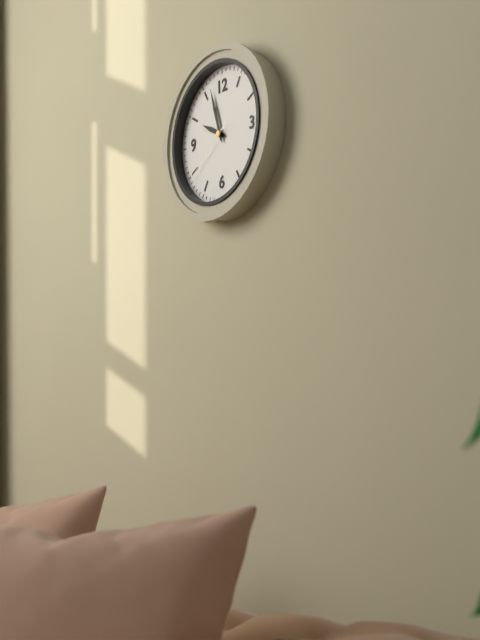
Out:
9.57.39
